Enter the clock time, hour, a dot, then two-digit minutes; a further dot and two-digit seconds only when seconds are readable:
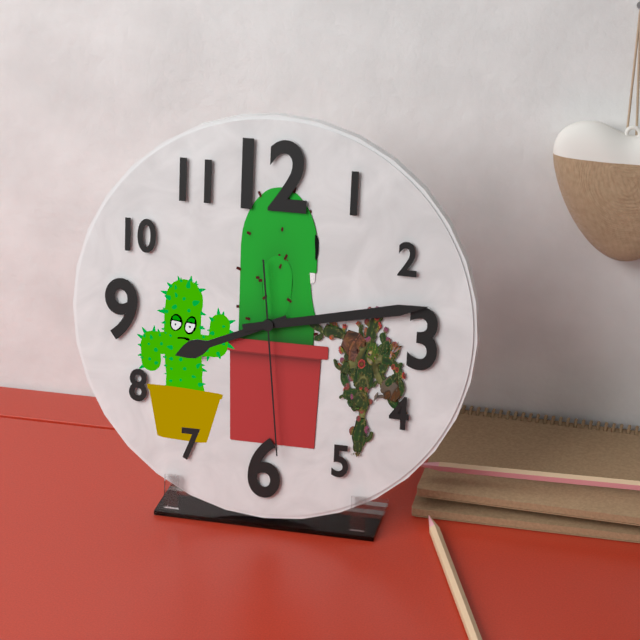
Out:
8.13.29
